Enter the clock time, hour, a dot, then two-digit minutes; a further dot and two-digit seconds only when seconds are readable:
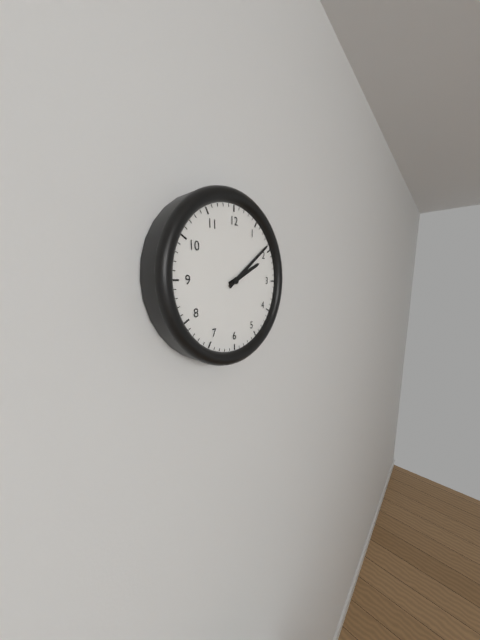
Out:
2.09
